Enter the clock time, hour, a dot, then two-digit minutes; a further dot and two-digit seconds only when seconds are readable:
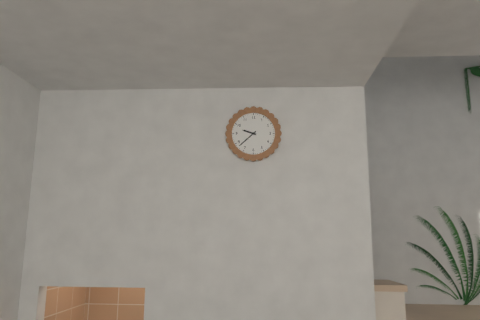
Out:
9.38
